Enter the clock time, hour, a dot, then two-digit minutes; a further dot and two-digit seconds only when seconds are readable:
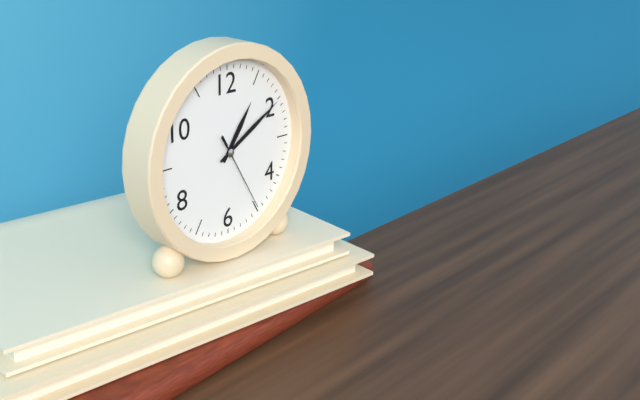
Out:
1.10.25
